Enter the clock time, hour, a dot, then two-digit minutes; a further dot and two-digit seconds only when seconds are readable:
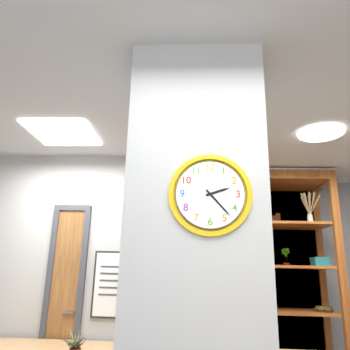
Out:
2.23
